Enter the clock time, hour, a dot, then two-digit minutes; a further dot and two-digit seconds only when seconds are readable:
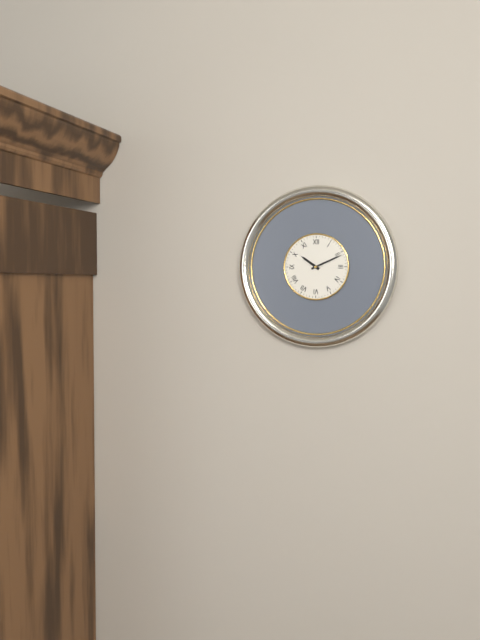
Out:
10.11
